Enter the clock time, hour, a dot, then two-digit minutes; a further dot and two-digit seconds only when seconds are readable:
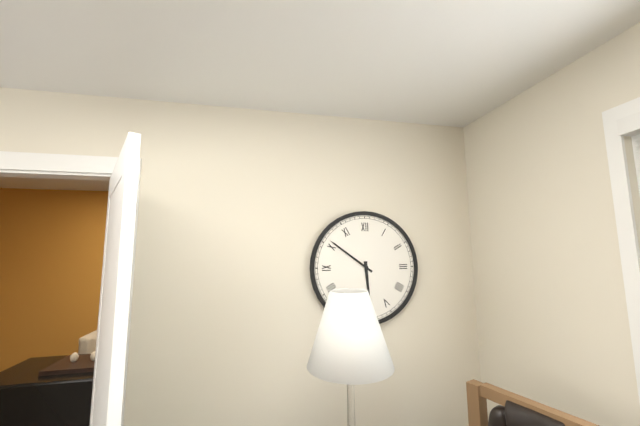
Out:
5.51
